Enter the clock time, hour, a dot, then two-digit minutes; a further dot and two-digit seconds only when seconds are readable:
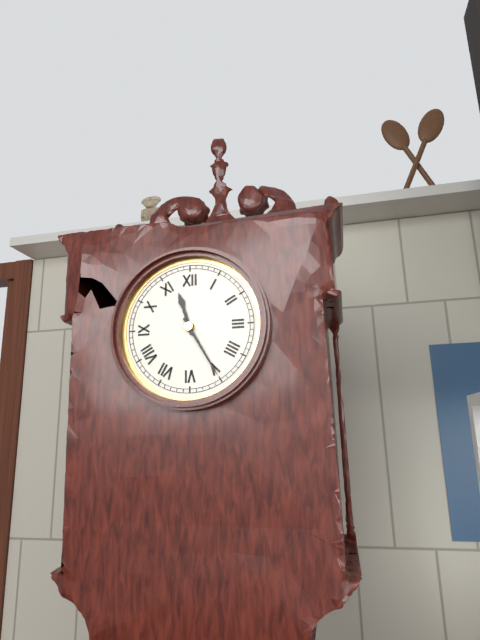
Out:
11.25
